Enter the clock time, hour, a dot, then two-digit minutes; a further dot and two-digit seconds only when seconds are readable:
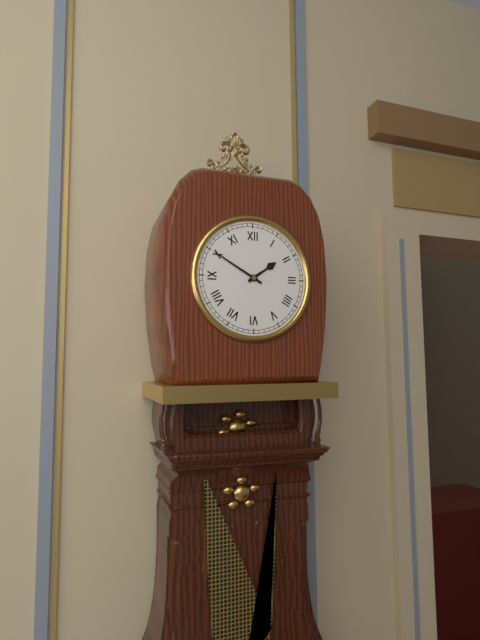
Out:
1.50
